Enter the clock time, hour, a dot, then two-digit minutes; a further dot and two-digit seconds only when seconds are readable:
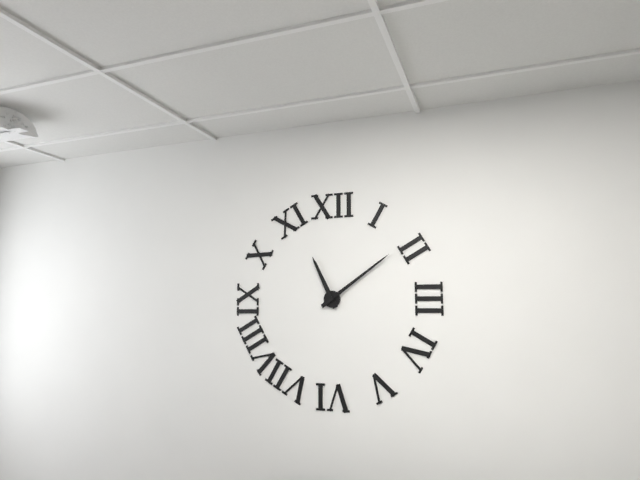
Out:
11.09
